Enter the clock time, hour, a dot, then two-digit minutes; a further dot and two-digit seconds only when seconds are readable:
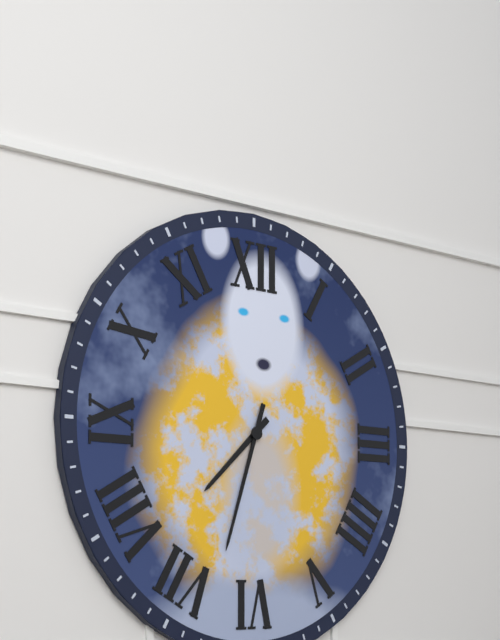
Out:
7.33
